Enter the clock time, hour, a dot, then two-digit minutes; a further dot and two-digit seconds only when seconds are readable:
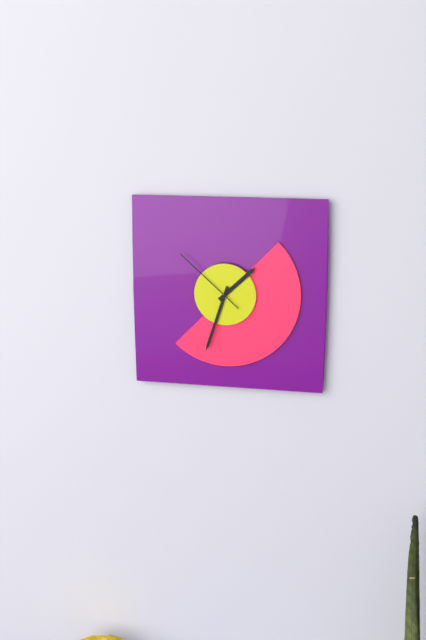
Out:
1.33.52
